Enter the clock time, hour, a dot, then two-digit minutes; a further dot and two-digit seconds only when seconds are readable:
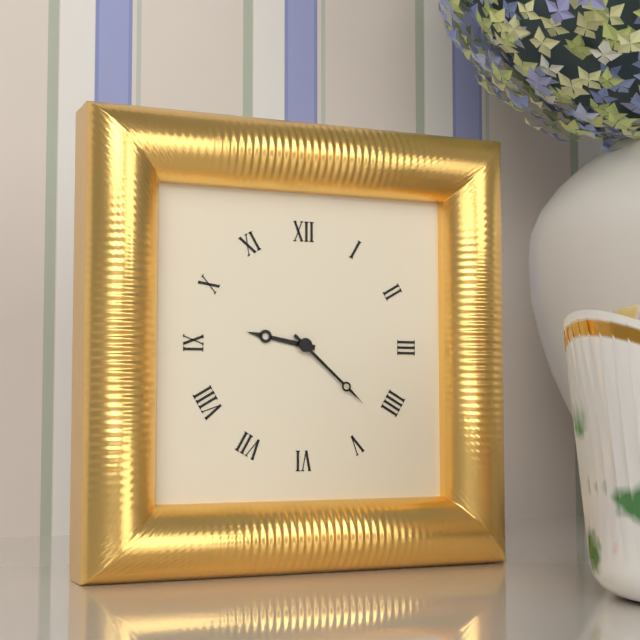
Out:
9.22
